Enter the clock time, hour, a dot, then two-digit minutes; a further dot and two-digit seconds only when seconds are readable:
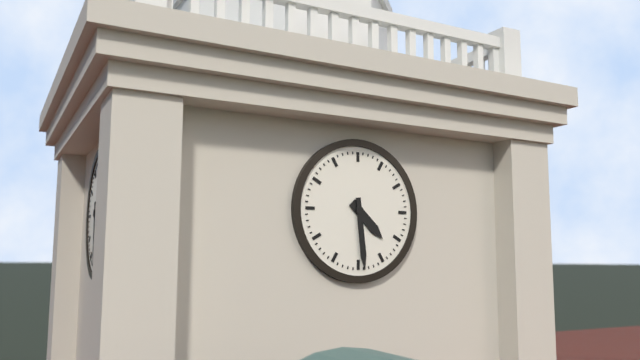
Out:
4.29
